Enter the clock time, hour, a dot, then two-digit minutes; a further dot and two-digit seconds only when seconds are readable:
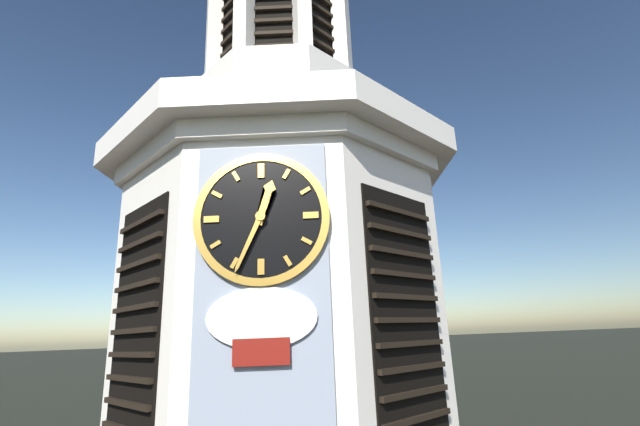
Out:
12.34
